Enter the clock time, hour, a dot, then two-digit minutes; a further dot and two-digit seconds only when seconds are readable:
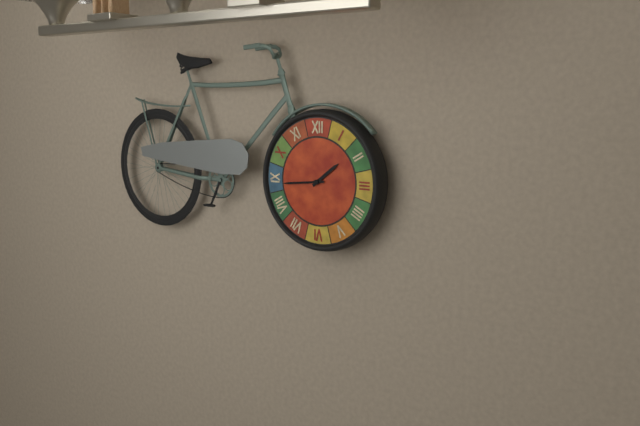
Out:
1.44
